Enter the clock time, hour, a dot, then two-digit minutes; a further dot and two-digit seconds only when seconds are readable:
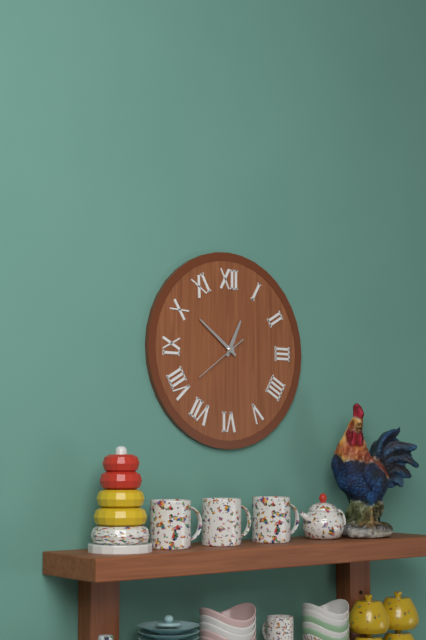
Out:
12.51.39
